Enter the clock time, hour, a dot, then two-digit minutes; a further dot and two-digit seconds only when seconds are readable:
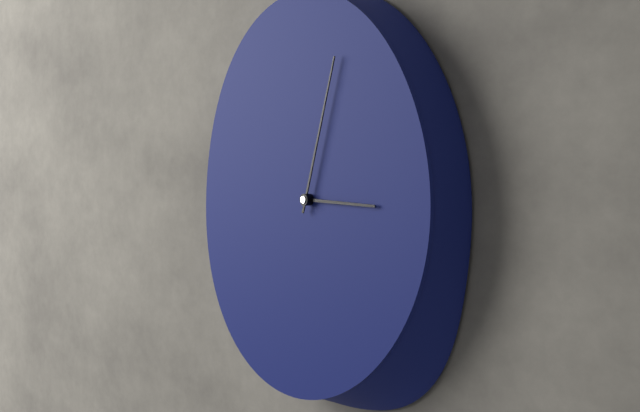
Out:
3.03
